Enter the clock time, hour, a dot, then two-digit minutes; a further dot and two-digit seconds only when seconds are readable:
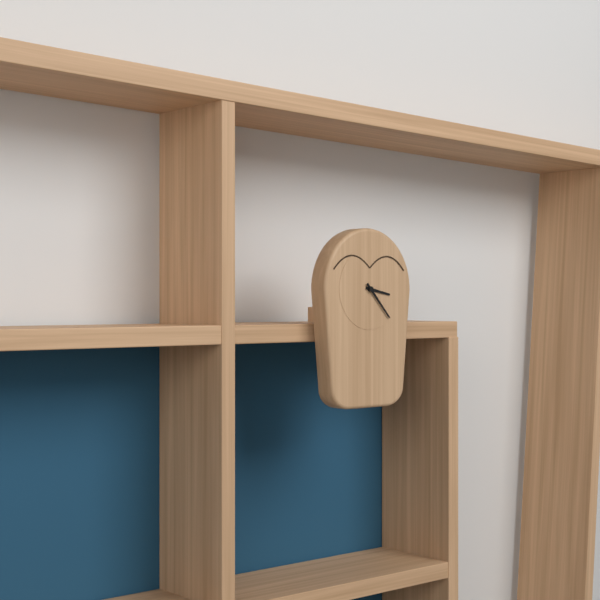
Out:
3.23
